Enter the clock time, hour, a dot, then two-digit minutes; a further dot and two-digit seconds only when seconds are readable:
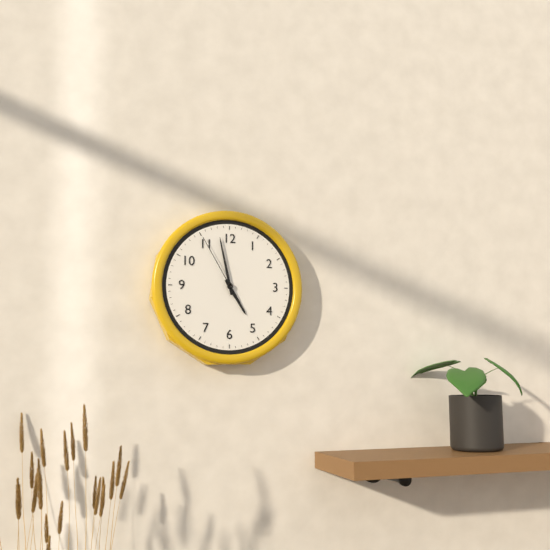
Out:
4.58.55
